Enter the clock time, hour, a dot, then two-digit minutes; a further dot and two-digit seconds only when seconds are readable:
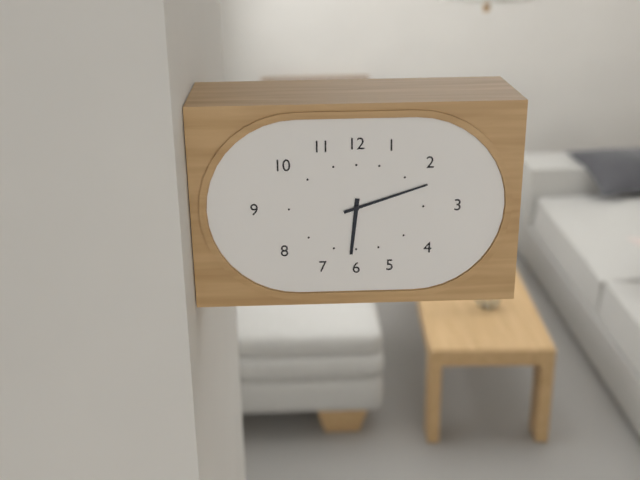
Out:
6.12
